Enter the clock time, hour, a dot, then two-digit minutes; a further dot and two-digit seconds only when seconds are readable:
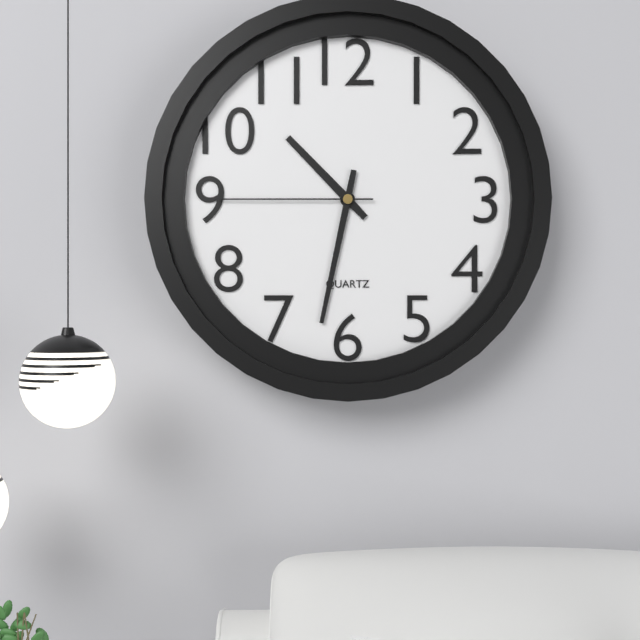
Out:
10.32.45
